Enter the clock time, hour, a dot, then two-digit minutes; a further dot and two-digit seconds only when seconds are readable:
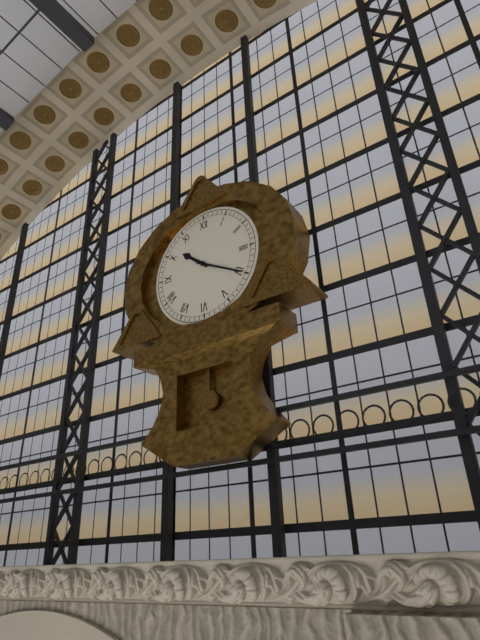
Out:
10.20
